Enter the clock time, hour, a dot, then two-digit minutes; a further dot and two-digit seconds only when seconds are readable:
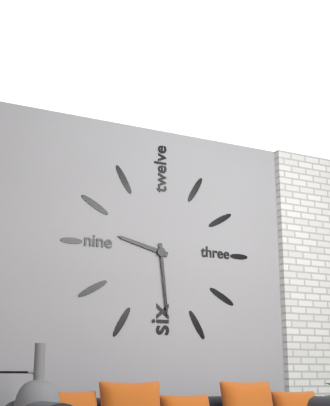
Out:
9.29
